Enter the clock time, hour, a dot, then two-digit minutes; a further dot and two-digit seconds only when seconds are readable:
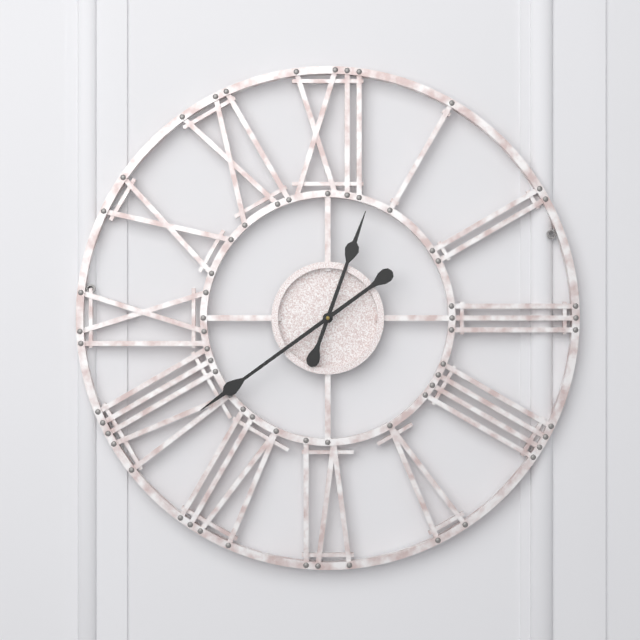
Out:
12.39
